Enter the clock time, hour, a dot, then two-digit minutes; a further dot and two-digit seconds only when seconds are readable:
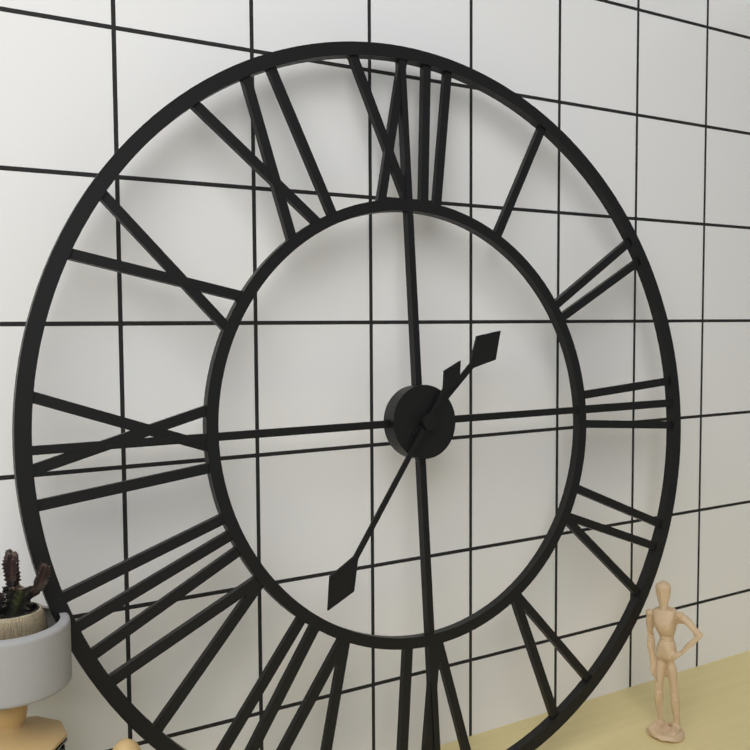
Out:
1.36
